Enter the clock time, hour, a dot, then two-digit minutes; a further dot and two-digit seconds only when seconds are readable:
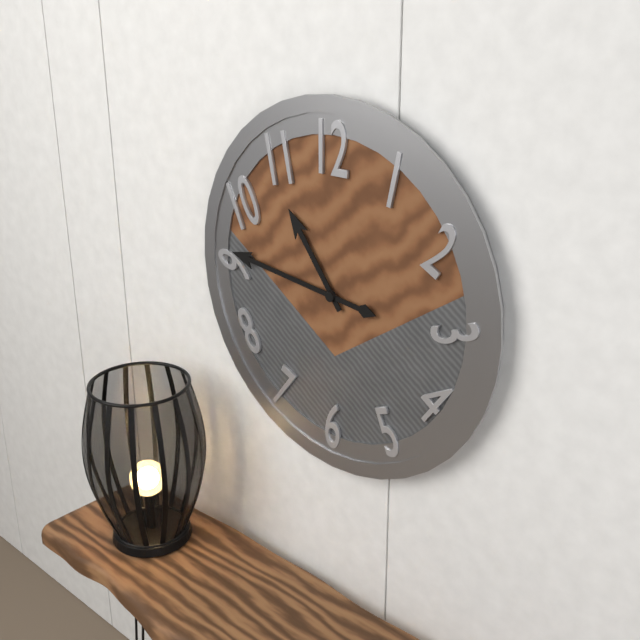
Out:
10.46
